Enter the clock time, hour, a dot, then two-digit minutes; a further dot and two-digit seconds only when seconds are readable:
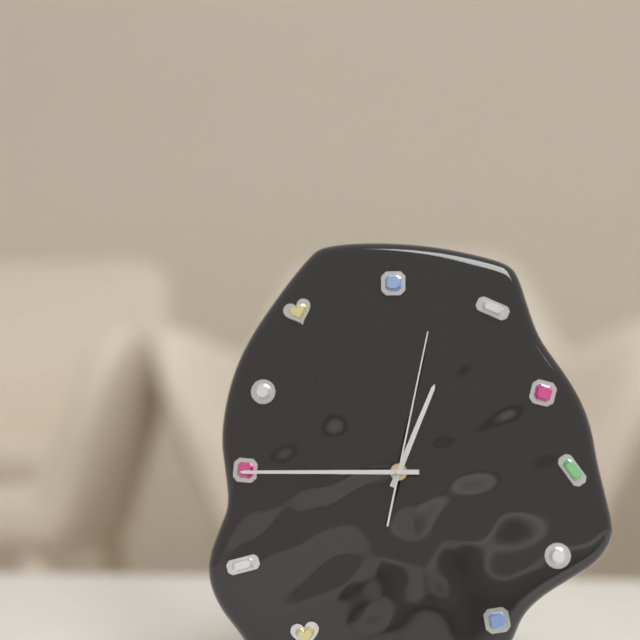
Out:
12.45.02
